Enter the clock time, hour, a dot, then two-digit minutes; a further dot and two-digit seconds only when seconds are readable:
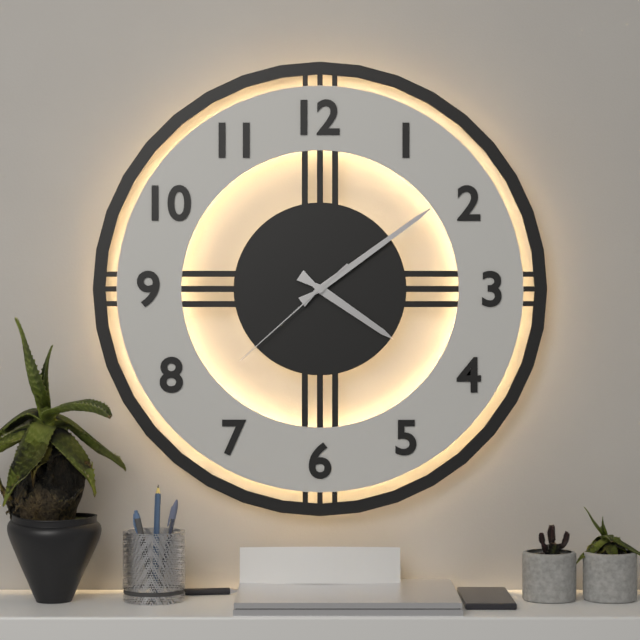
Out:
4.09.38
